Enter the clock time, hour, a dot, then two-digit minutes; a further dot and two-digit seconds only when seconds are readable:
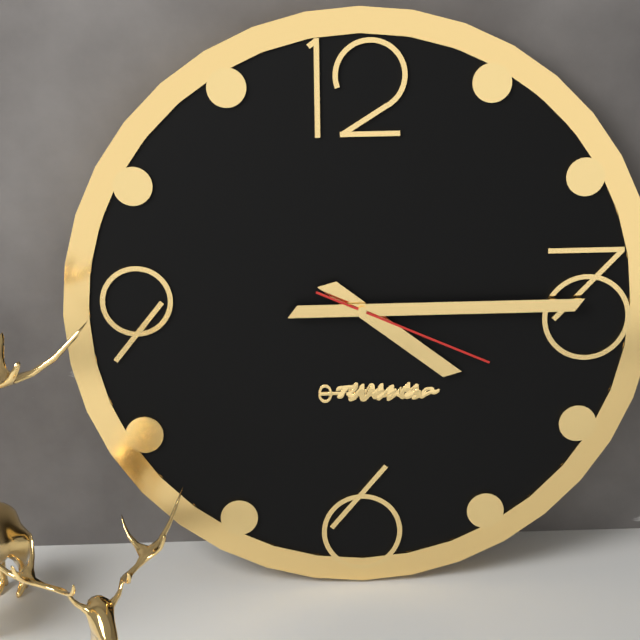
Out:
4.15.19
